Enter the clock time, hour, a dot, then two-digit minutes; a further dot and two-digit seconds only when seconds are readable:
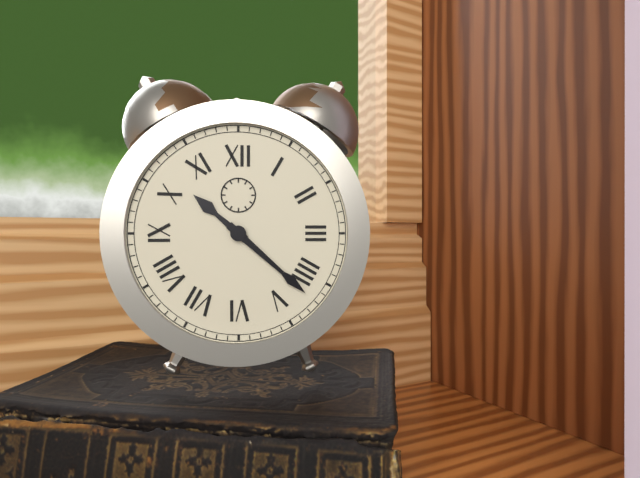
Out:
10.22
